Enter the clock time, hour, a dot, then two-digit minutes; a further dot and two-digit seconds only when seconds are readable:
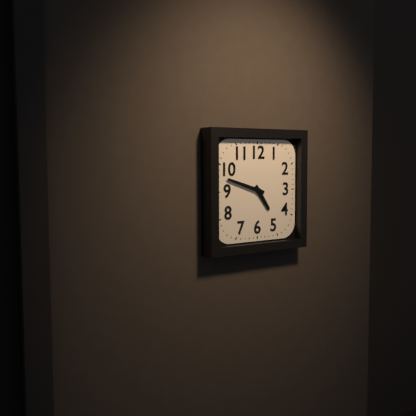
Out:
4.48
